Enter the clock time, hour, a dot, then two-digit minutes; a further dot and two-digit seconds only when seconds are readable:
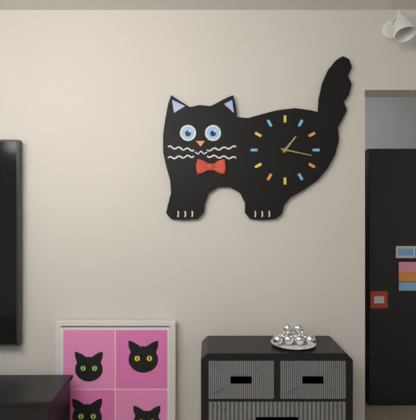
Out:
1.17
